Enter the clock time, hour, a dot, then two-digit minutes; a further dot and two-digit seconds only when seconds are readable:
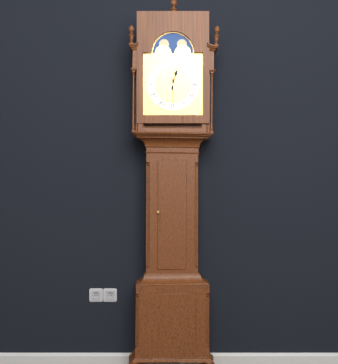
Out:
12.30
